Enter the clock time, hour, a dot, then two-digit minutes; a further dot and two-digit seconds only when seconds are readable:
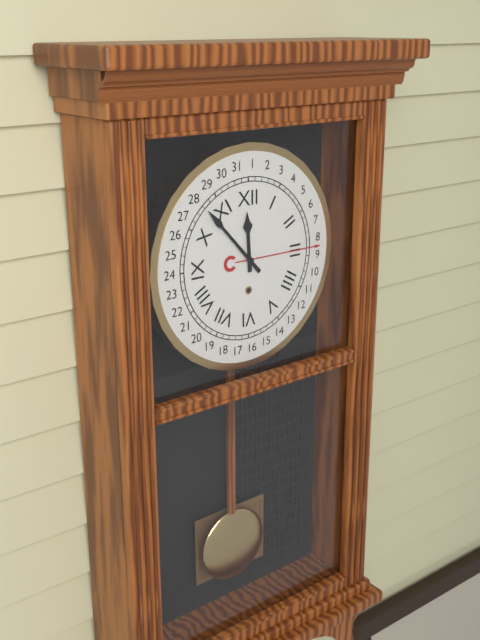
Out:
11.53
